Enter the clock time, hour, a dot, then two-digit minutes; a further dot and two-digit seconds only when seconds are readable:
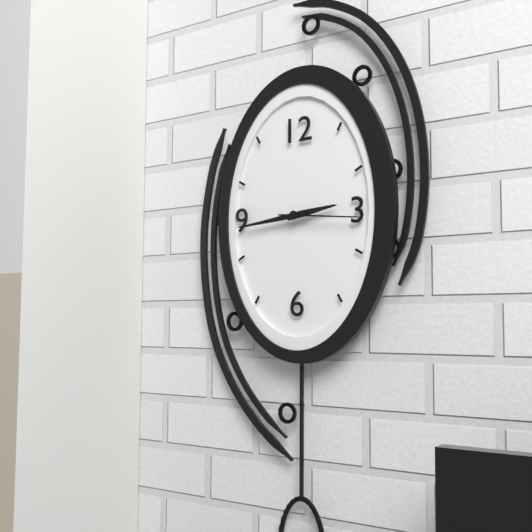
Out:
2.44.16
